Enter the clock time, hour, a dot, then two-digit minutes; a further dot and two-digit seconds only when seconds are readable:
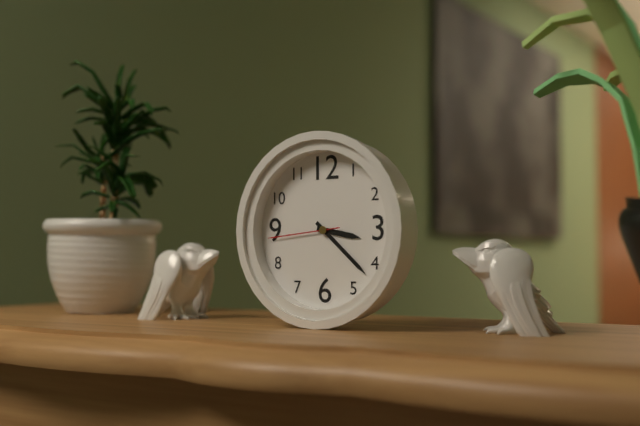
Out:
3.22.44
